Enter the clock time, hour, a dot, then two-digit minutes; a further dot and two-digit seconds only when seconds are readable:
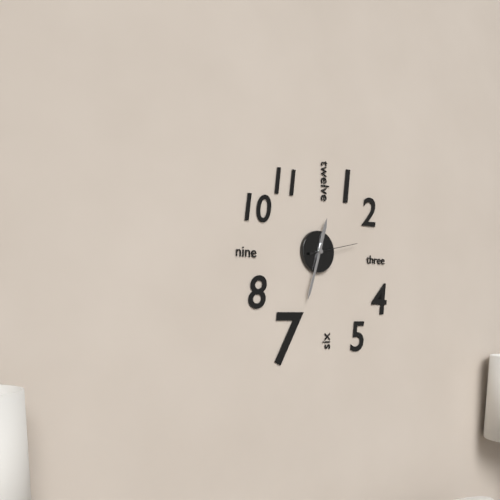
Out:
12.33
